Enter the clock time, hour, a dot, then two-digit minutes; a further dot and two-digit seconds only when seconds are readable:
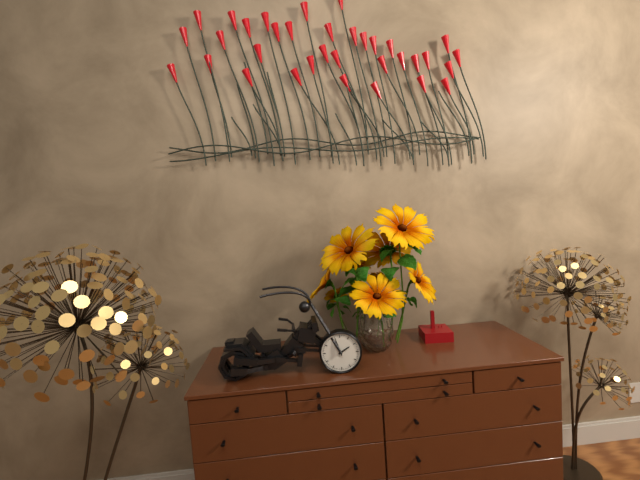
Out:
1.57
